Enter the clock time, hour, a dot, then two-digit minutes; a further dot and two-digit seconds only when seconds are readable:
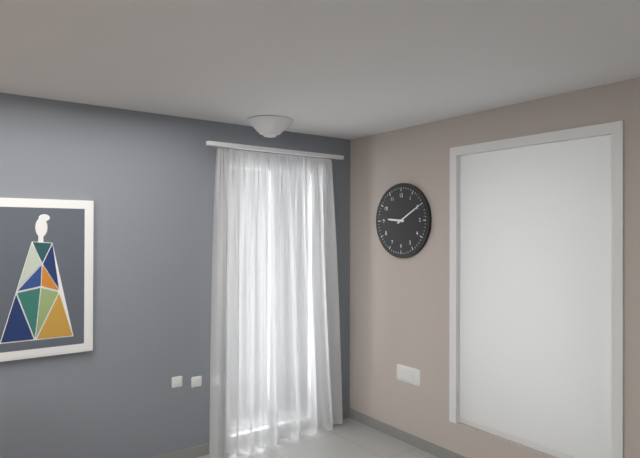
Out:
9.10
